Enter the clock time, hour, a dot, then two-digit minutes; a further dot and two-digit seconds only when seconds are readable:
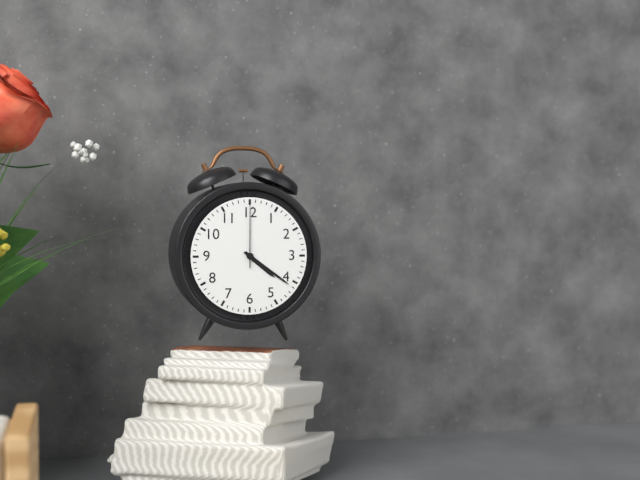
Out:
4.21.00
